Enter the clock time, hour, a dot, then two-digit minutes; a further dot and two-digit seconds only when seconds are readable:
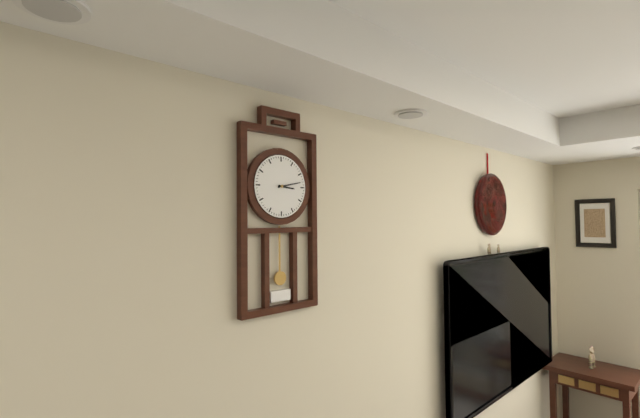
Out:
3.13
